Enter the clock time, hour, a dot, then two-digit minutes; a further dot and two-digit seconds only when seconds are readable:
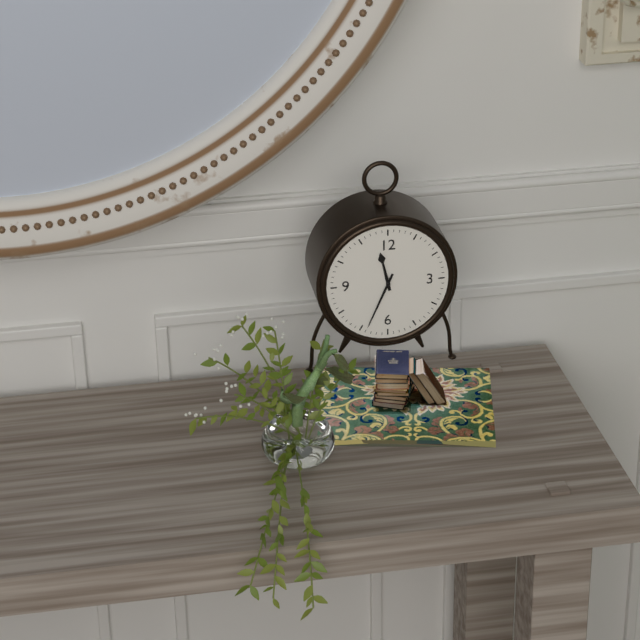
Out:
11.34
